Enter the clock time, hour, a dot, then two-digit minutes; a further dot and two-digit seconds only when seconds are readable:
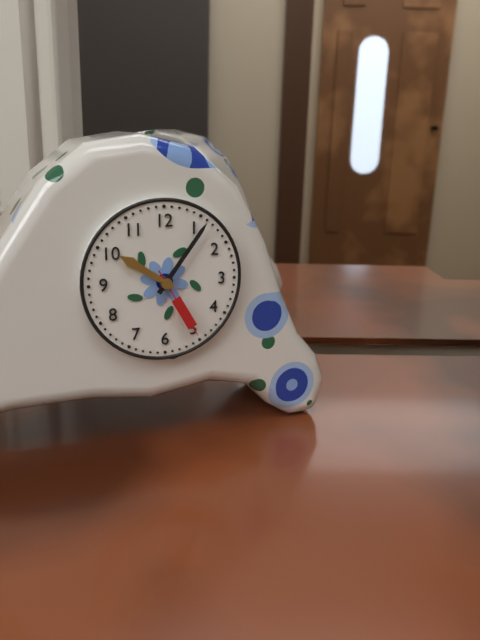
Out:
10.06.25
